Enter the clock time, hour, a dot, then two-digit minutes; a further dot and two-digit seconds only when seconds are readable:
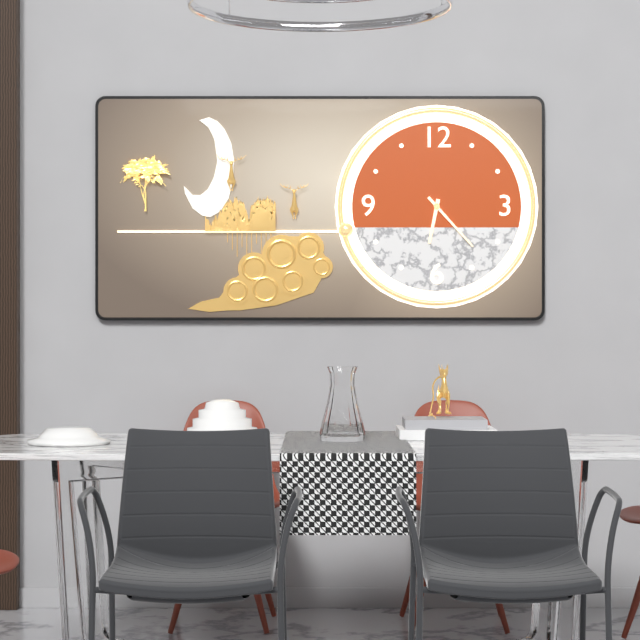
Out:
6.23
